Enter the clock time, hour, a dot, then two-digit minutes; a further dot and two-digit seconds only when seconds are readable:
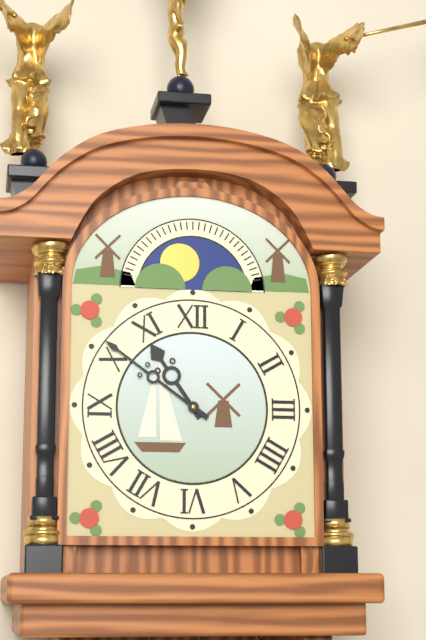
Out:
10.51
